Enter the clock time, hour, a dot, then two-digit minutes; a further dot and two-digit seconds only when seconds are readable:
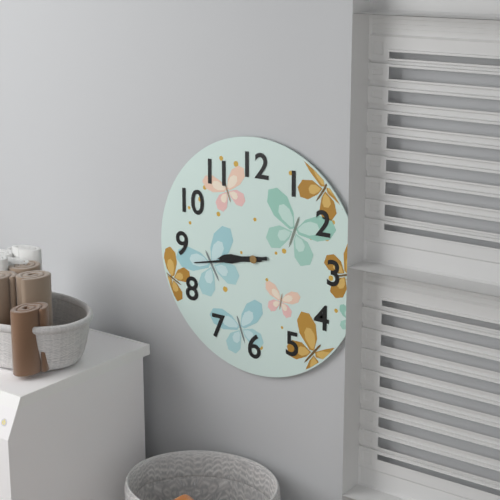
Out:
8.43
